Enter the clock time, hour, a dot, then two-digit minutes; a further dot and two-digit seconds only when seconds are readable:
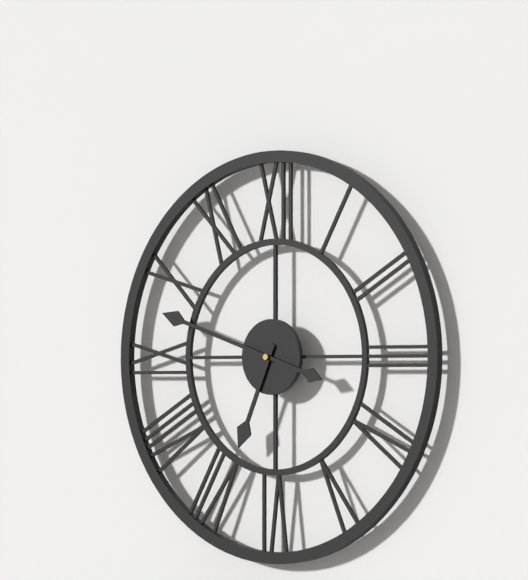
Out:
6.48
